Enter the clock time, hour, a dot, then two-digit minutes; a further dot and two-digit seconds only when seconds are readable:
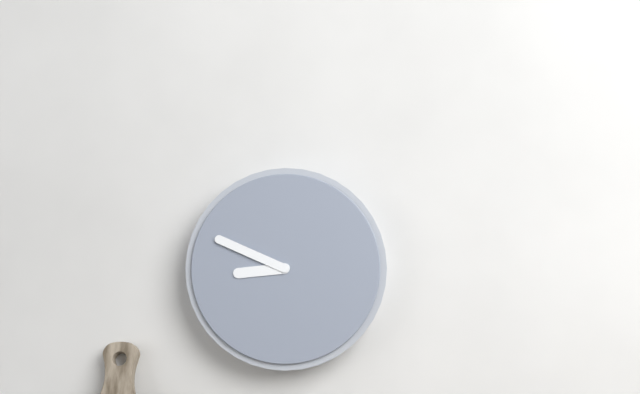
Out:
8.49
